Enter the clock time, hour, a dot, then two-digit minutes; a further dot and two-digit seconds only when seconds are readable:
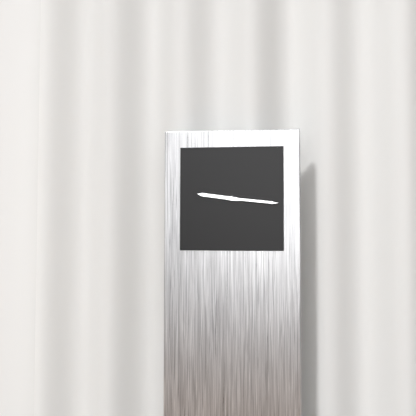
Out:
9.16
